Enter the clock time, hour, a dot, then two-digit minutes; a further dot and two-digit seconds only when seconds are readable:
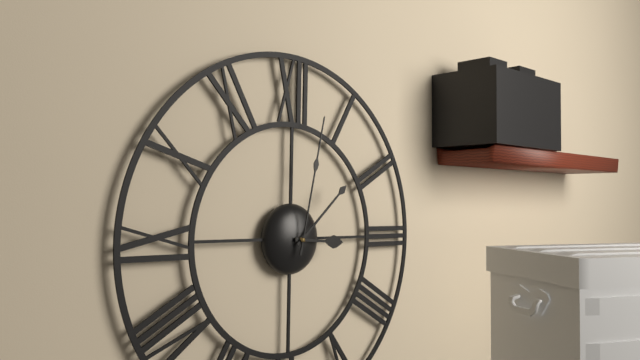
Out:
3.08.02
